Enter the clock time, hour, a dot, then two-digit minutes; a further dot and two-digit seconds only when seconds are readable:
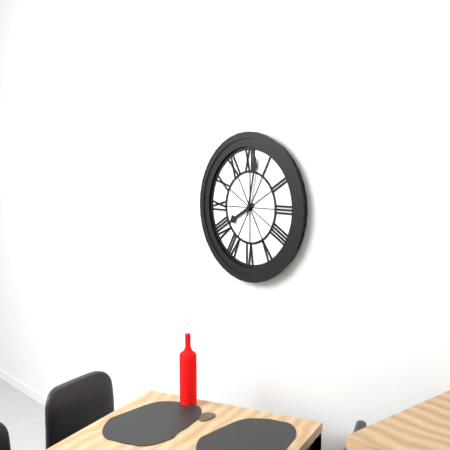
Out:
8.02
